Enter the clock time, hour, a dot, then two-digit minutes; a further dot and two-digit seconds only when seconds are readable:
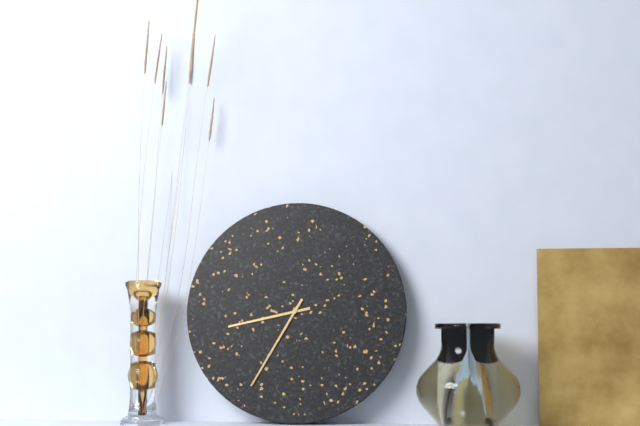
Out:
8.35
